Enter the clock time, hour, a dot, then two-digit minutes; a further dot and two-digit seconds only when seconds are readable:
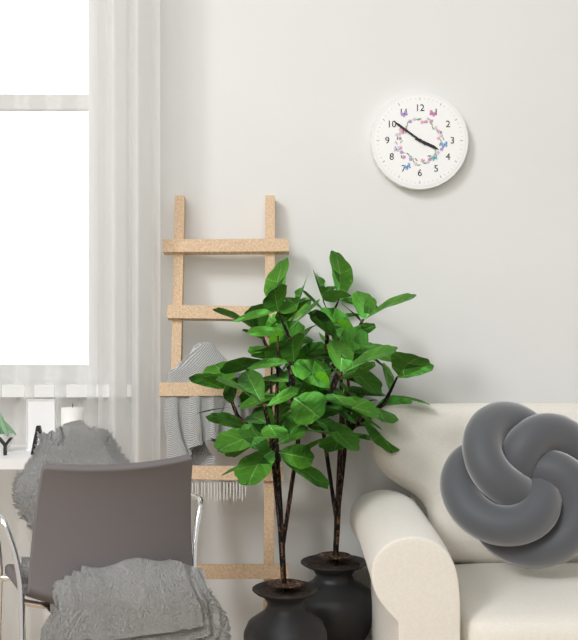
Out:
3.51
